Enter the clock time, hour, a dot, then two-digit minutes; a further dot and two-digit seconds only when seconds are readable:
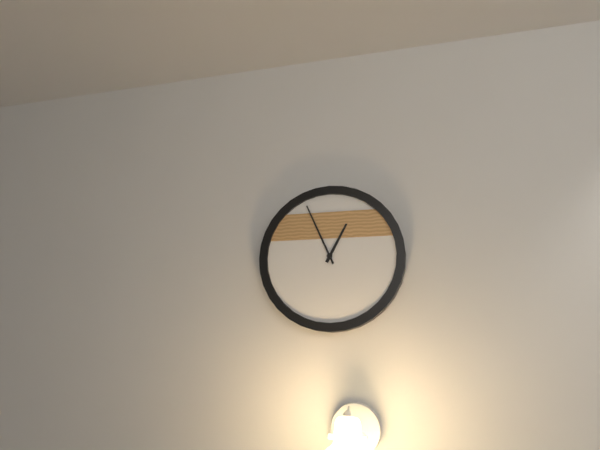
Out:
12.56
